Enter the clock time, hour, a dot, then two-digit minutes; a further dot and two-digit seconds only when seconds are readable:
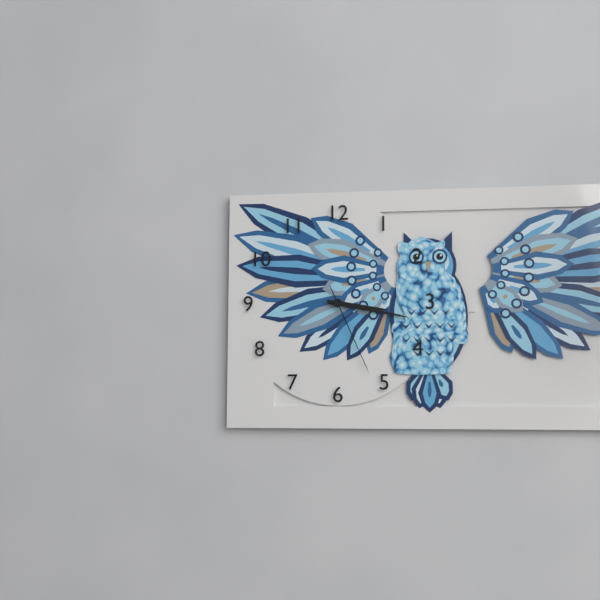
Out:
3.17.26
